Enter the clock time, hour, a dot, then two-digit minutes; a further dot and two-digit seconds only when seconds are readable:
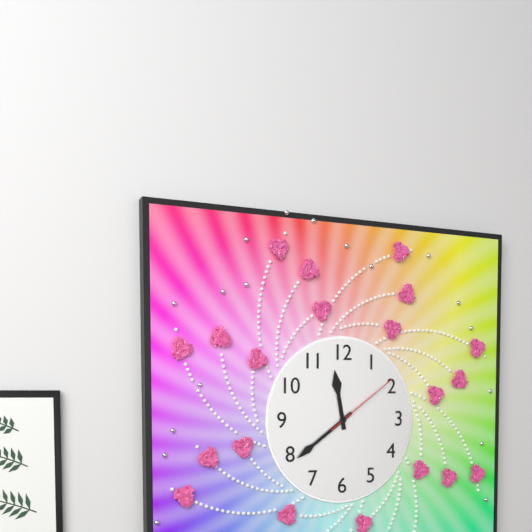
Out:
11.39.09
